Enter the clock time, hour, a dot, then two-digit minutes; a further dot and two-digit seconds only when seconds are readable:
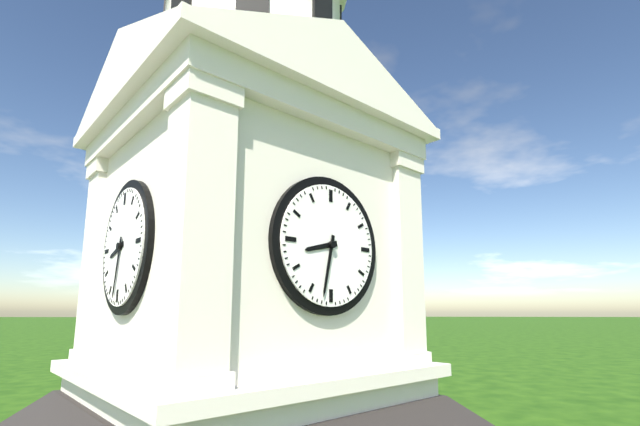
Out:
8.32
